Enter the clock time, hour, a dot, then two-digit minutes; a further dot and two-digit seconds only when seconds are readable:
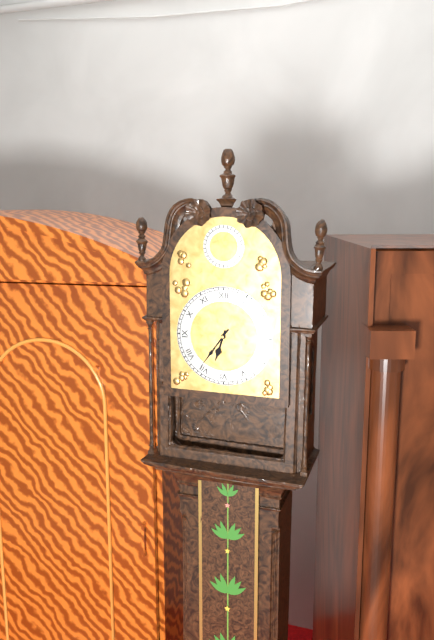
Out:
6.36
